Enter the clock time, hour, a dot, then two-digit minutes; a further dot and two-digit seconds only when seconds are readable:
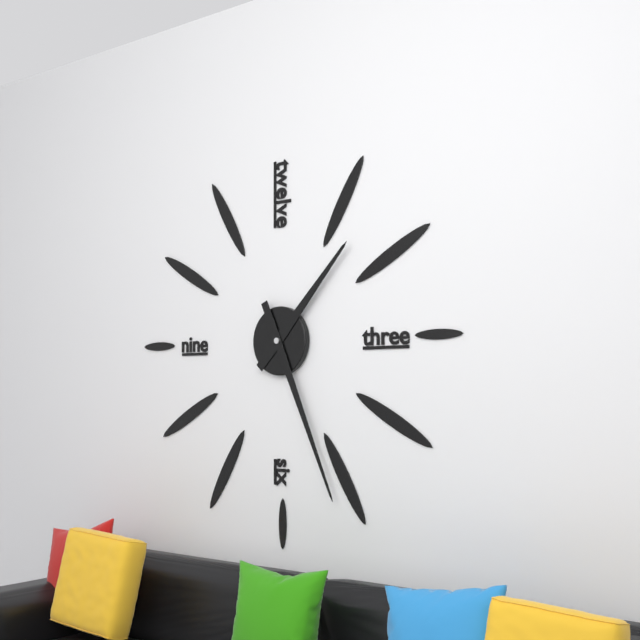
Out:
1.26
